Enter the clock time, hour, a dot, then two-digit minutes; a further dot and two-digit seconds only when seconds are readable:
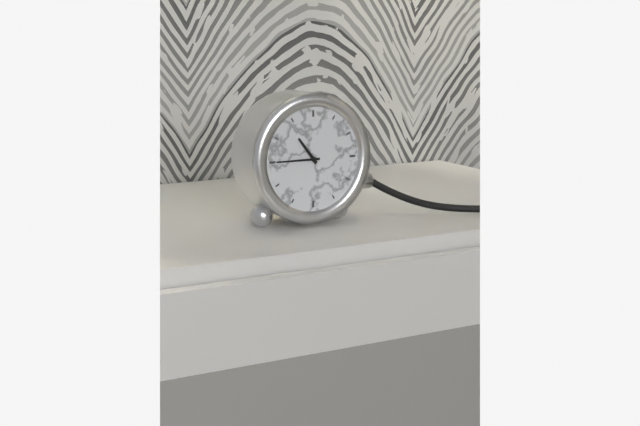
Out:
10.45
